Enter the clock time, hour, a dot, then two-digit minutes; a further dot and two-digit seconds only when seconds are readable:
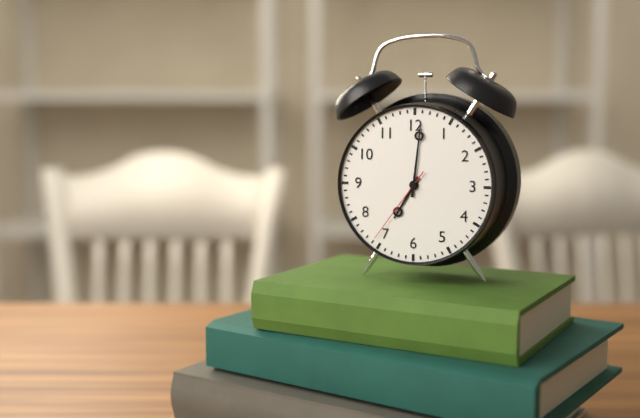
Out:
7.01.36
